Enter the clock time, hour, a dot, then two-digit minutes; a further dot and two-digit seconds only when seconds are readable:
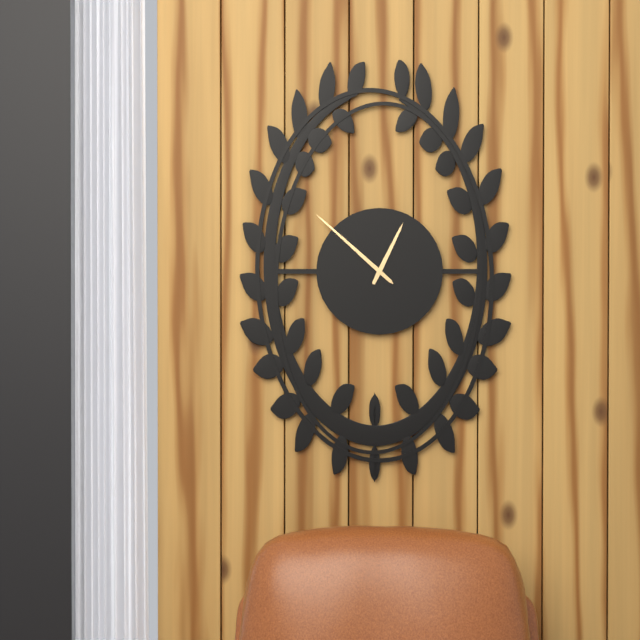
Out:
12.52.52
